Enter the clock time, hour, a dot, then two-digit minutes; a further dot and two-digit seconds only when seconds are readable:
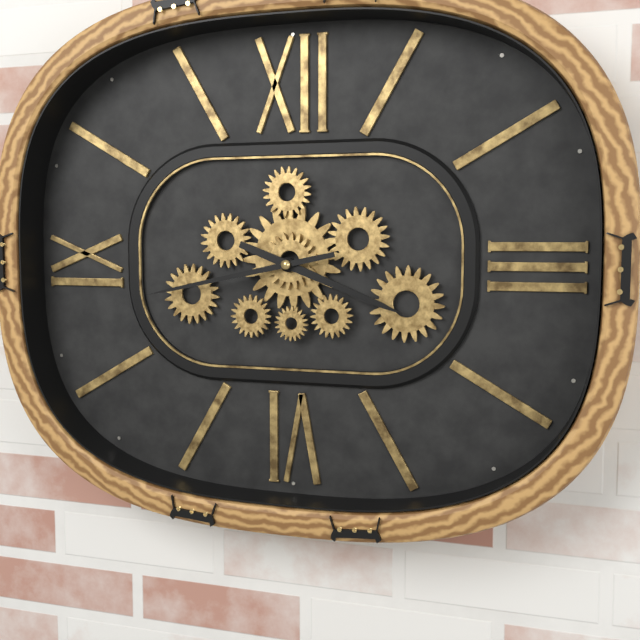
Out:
3.43
